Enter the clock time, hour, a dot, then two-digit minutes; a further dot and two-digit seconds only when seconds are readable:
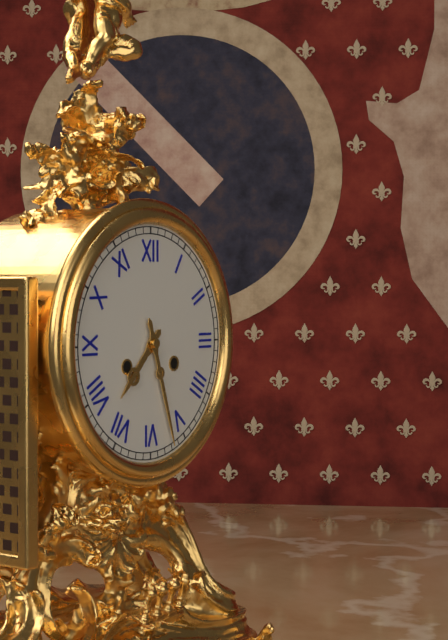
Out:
7.27
